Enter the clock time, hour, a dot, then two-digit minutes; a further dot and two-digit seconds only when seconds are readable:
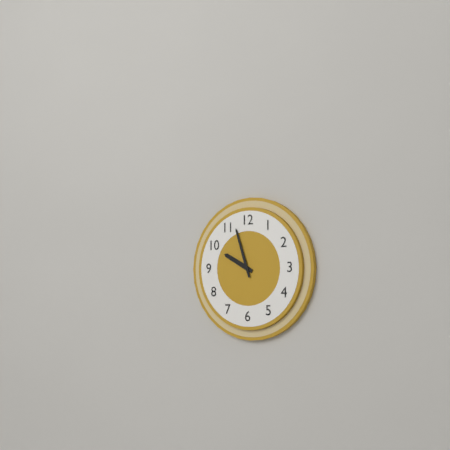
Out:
9.57
